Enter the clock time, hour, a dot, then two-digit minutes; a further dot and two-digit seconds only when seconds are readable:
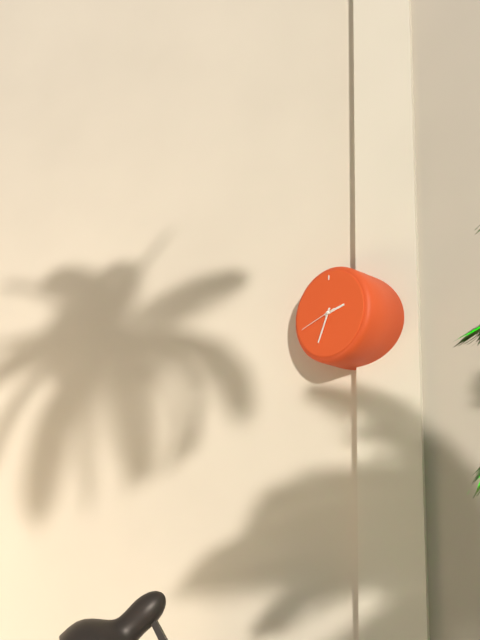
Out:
2.34
